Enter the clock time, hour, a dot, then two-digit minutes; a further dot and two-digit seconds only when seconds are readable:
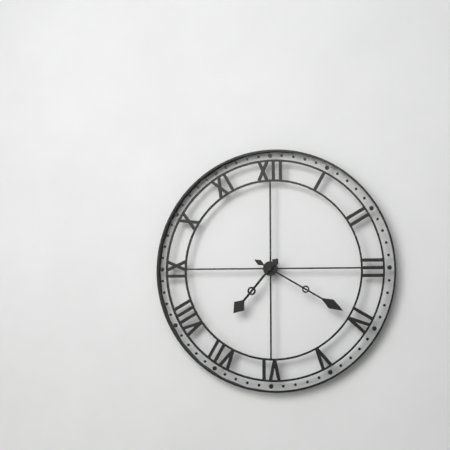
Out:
7.20
